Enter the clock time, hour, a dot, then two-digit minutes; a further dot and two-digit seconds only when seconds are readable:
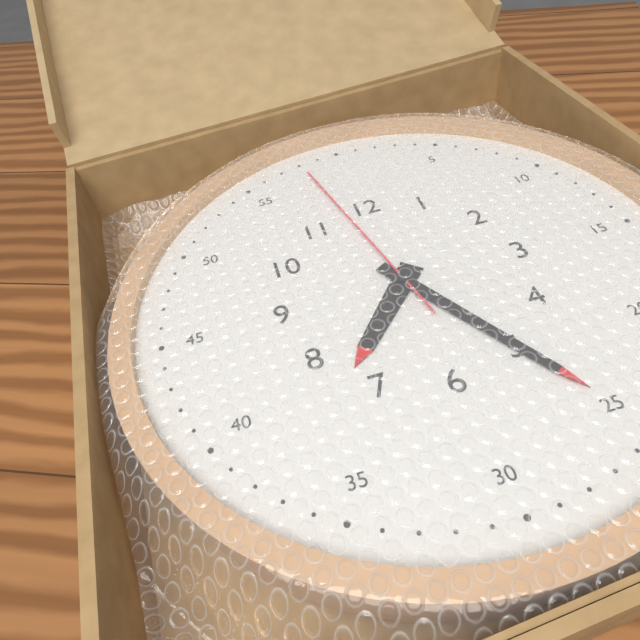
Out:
7.25.58
